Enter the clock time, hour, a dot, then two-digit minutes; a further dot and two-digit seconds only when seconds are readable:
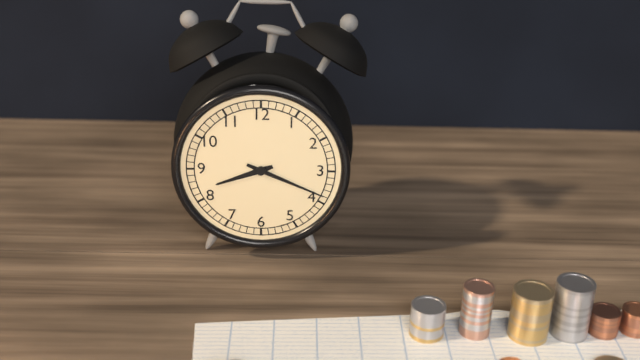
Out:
8.19
